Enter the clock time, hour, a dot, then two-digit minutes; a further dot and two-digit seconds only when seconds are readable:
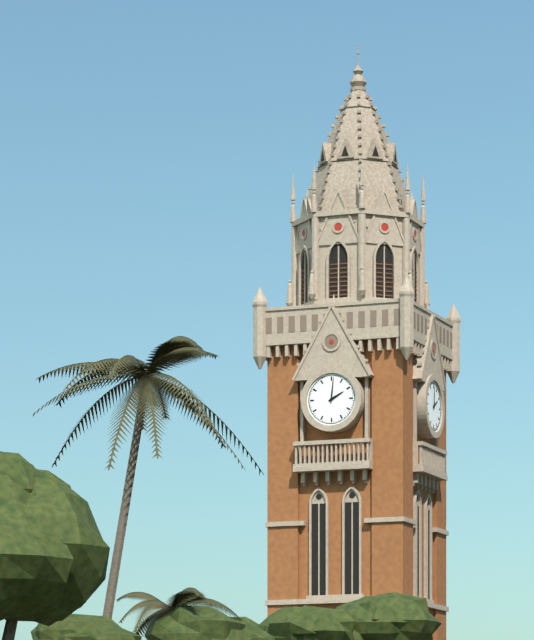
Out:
2.01
